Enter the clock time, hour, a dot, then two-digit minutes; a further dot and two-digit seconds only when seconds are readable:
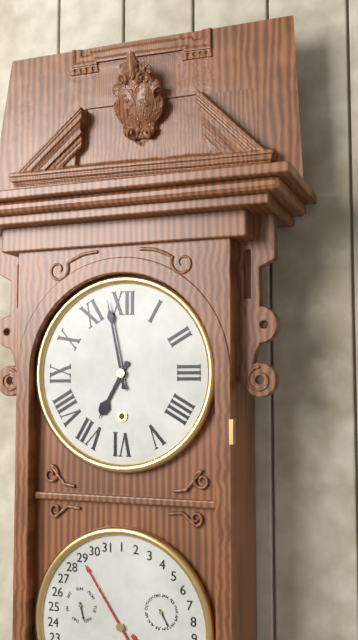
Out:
6.58
